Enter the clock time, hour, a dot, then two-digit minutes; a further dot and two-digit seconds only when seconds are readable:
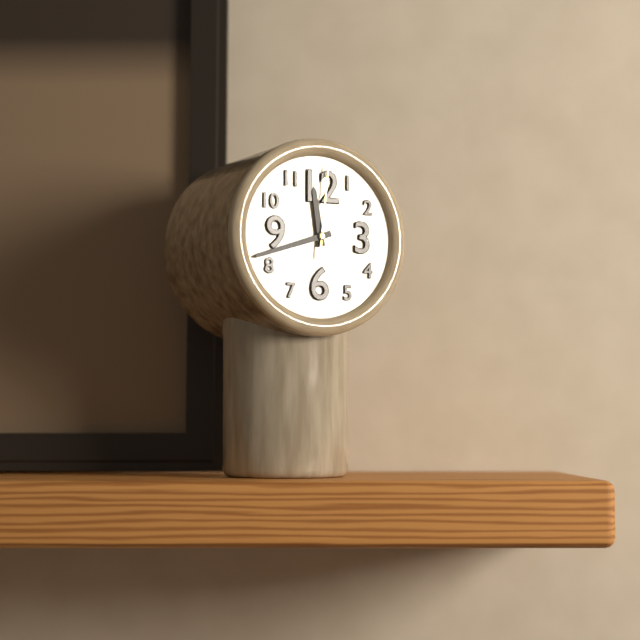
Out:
11.42.01
